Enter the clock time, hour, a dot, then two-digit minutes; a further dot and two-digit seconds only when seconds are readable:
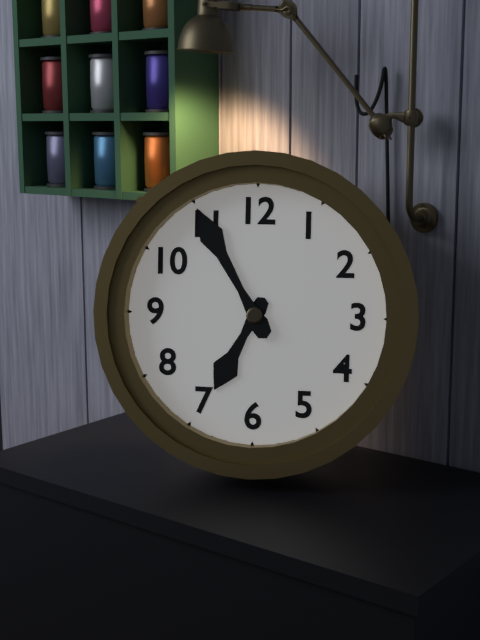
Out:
6.55
